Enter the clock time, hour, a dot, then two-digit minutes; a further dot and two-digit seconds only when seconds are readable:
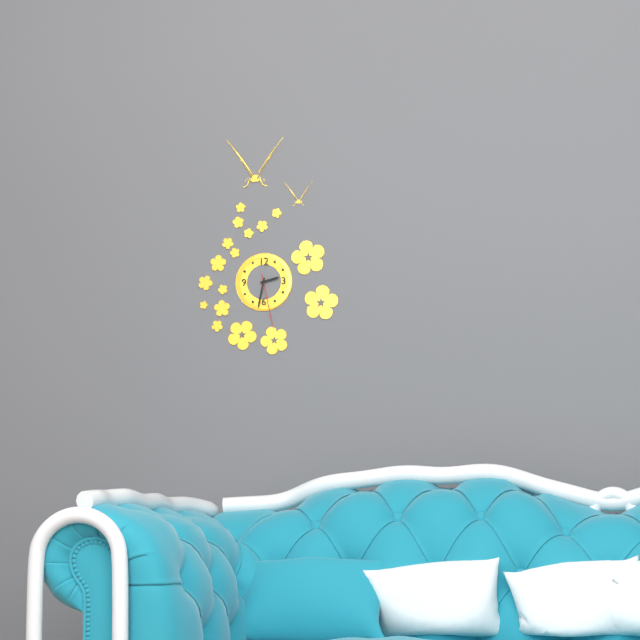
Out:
2.32.28
